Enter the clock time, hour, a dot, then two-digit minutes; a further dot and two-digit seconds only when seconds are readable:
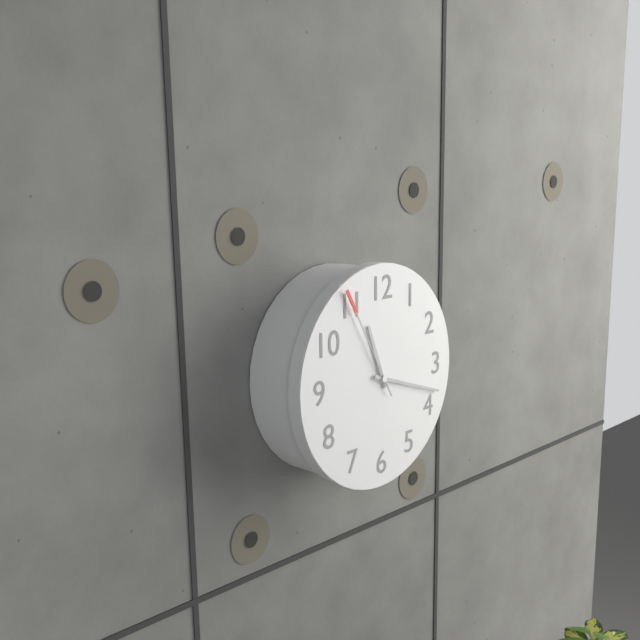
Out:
11.18.55
